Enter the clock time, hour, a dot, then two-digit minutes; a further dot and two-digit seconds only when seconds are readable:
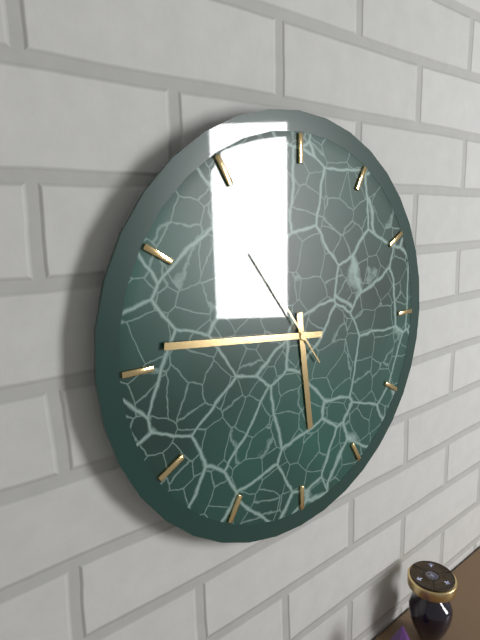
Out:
5.46.54
